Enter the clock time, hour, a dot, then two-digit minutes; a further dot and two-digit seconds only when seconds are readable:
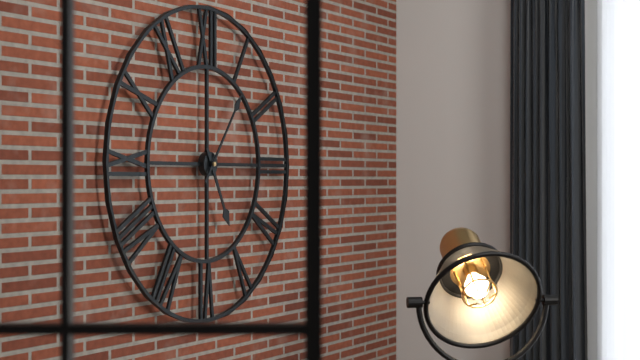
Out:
5.06
